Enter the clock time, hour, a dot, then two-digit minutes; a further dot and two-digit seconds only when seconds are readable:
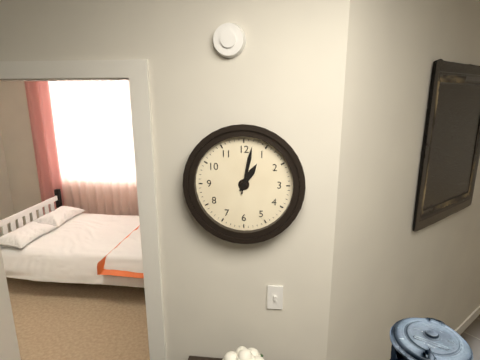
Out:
1.02
